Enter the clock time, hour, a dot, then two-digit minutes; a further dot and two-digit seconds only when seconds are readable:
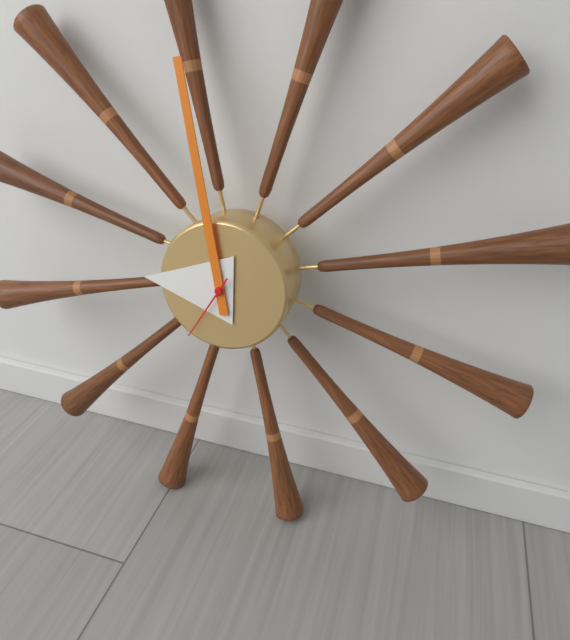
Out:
8.58.35
